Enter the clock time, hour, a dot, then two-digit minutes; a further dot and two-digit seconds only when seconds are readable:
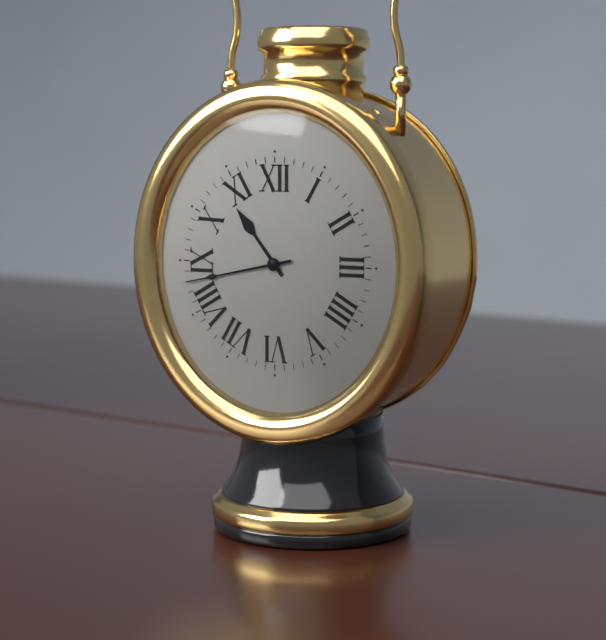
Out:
10.43
